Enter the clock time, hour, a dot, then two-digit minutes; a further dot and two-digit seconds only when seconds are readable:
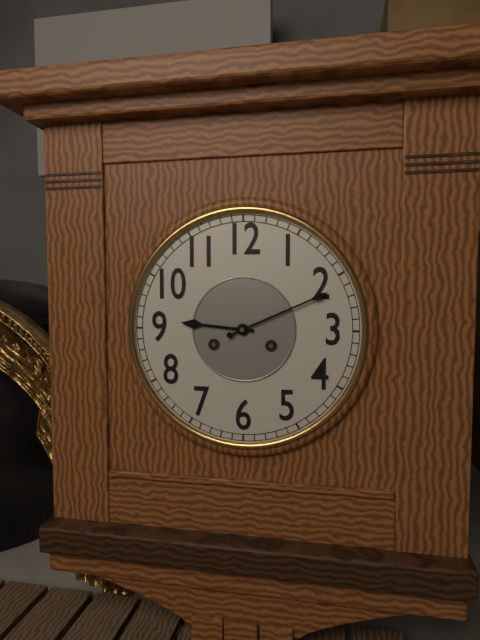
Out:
9.11
